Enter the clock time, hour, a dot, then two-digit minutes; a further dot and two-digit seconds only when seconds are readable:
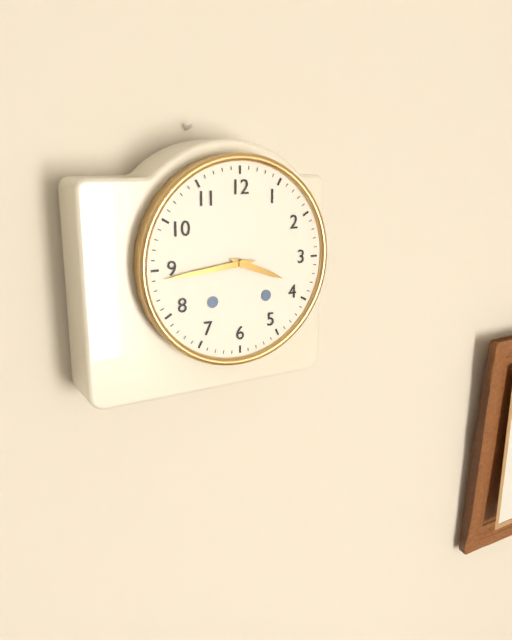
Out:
3.44
